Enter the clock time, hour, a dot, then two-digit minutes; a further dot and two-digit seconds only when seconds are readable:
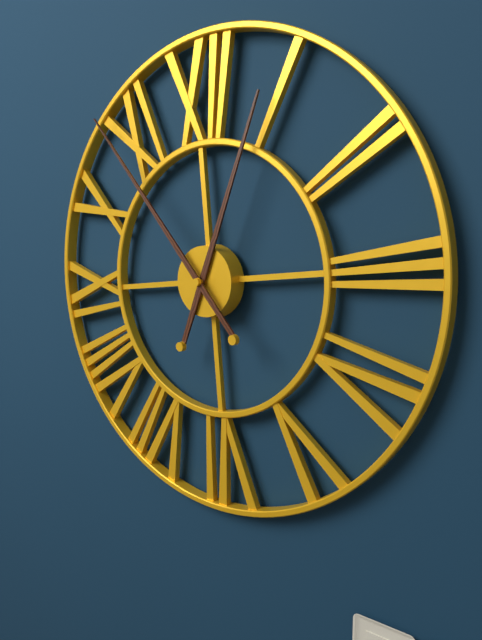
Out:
12.54
